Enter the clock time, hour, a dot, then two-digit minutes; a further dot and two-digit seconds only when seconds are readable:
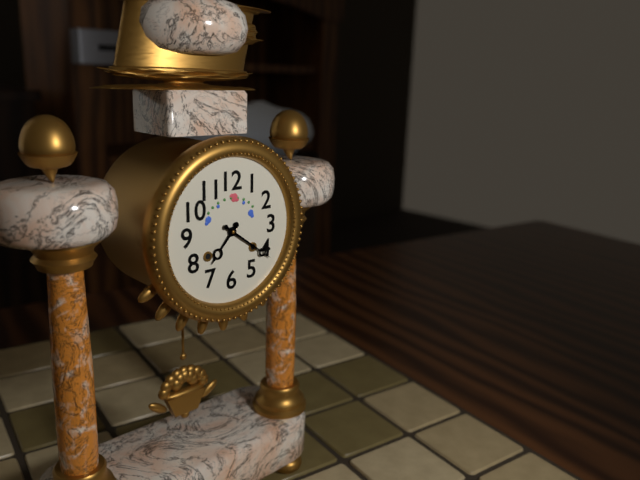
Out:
7.21
